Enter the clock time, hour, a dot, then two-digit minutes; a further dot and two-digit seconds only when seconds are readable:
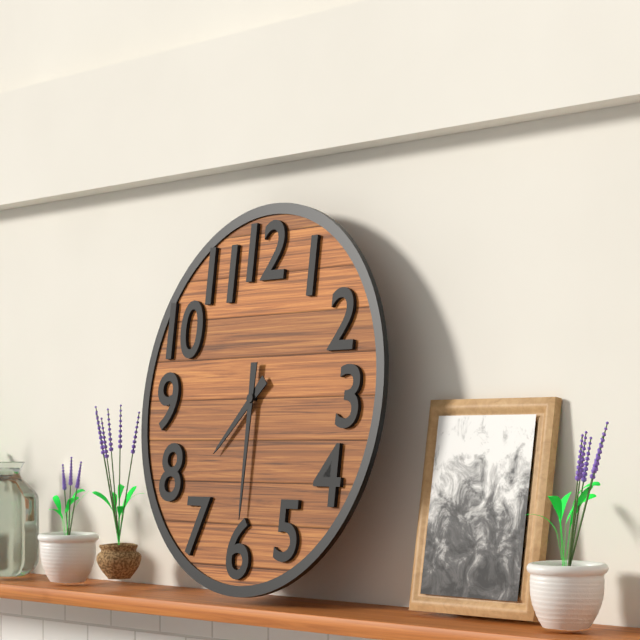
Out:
7.30
